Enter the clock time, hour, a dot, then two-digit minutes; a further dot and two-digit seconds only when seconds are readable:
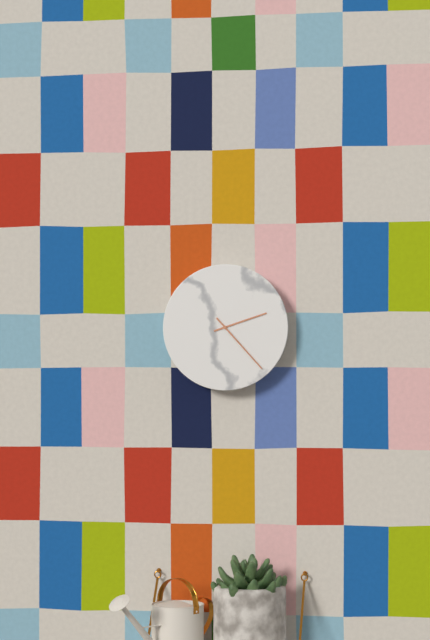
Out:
2.23
